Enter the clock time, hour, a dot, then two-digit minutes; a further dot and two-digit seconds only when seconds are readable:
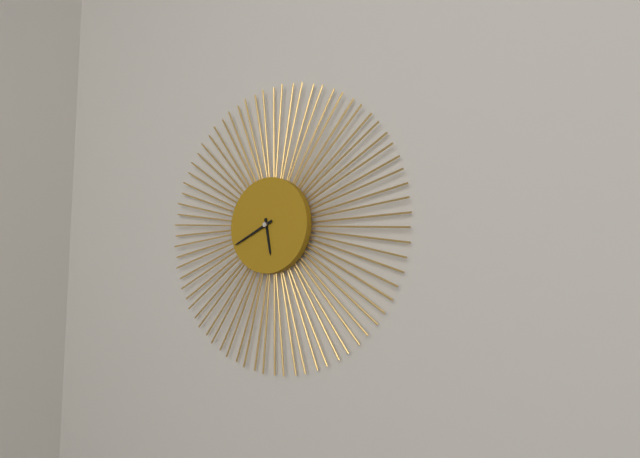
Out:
5.41
